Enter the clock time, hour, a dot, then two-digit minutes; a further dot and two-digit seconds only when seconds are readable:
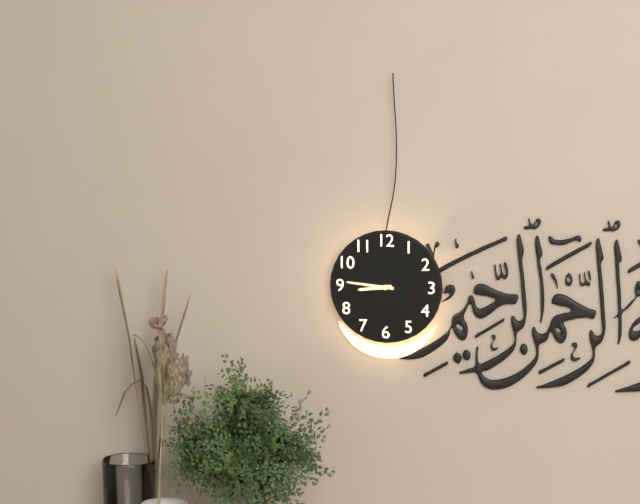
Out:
8.46
